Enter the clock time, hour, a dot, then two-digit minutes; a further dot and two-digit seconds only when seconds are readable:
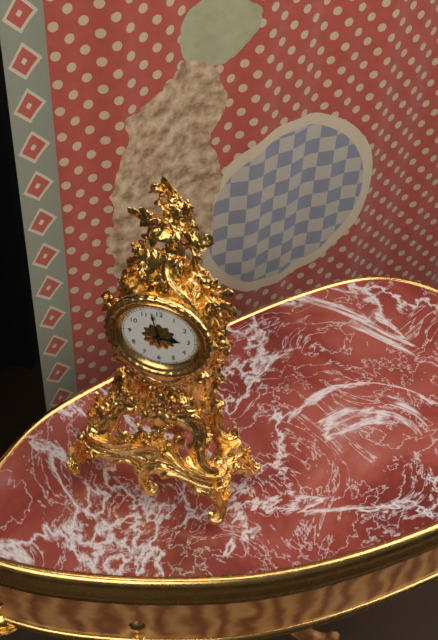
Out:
2.58
